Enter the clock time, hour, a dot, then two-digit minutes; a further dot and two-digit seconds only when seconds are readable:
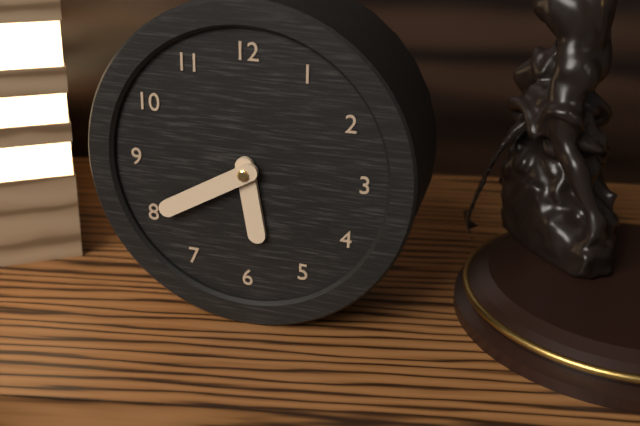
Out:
5.40
